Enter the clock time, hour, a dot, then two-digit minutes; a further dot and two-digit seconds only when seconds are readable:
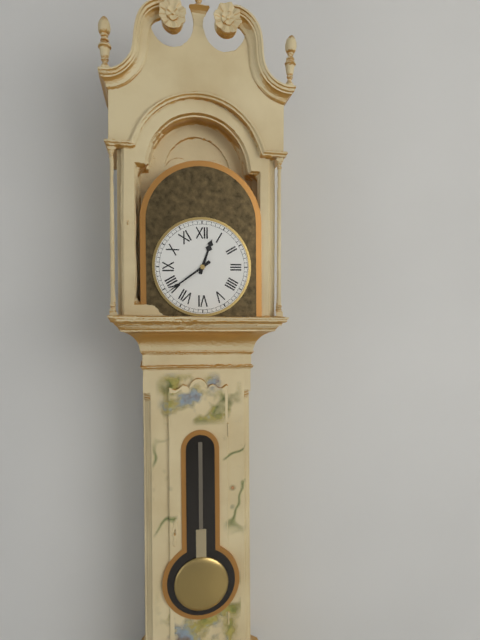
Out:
12.39
